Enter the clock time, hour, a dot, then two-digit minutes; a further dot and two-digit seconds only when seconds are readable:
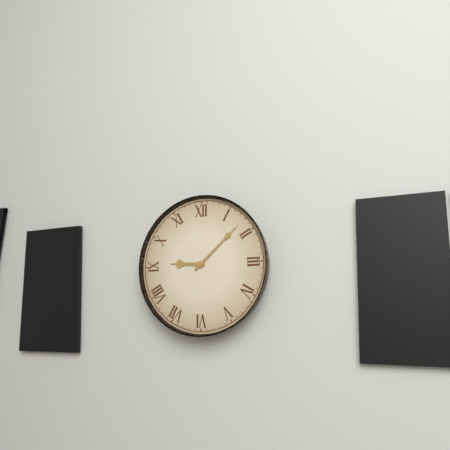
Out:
9.08
